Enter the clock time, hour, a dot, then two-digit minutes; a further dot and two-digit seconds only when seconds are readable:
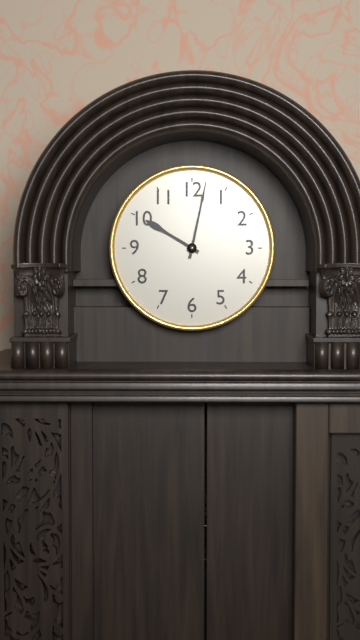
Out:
10.02
